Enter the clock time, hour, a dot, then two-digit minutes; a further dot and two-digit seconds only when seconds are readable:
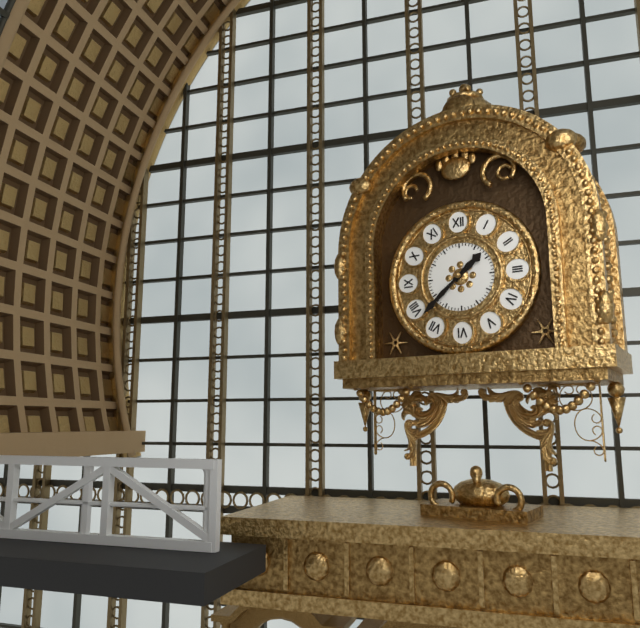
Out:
1.38
